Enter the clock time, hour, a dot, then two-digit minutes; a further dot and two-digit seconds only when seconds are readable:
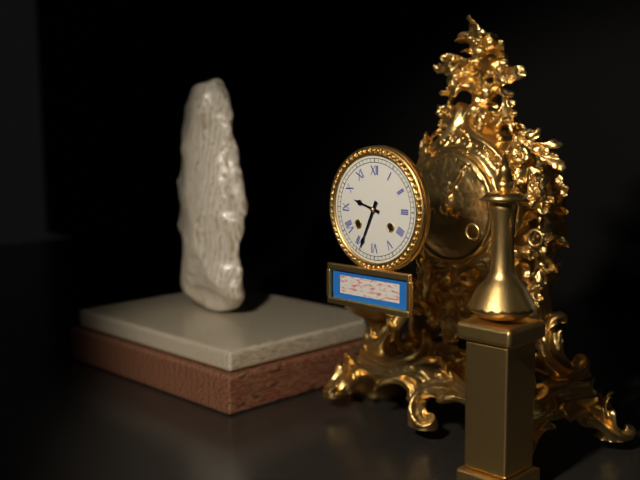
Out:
9.34
